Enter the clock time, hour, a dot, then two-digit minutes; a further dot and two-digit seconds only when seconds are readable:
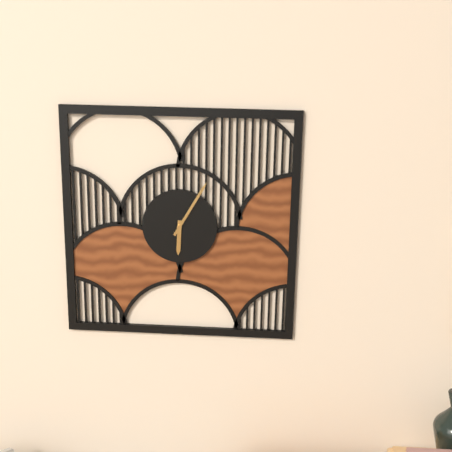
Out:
6.05
